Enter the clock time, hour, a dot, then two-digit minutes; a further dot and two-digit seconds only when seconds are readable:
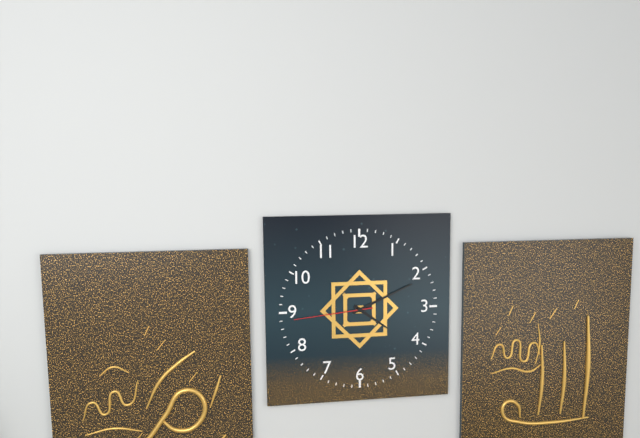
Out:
4.11.44
